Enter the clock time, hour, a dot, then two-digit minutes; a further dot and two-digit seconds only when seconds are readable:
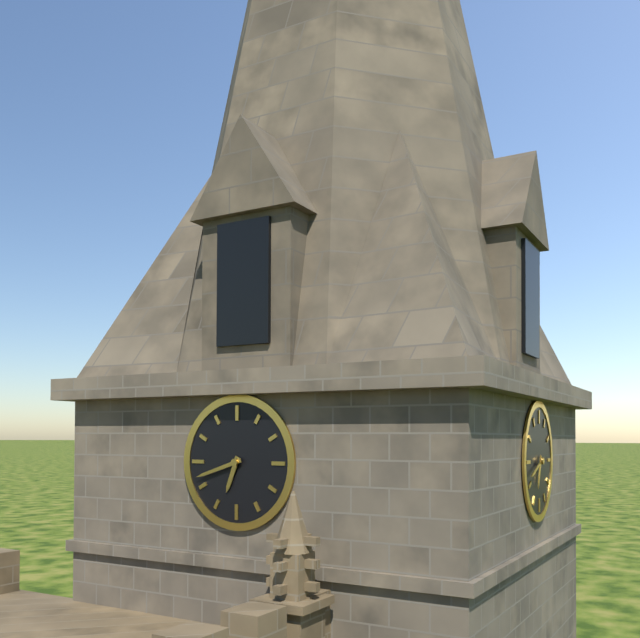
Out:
6.42
